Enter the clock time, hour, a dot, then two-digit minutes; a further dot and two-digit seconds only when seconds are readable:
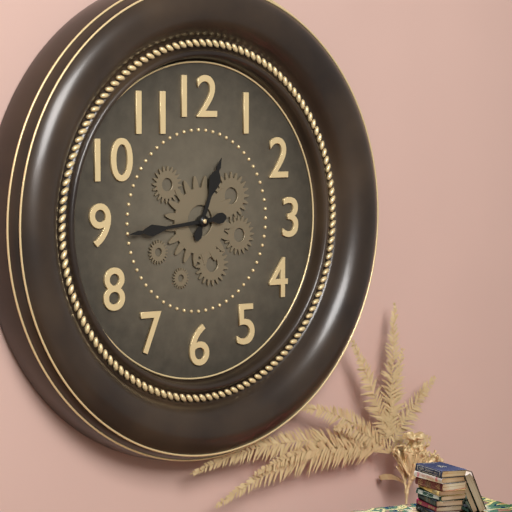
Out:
12.44
